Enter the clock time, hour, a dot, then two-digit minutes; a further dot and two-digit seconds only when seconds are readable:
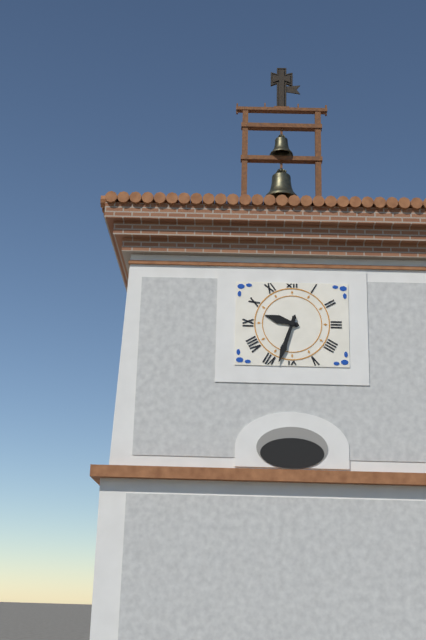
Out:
9.33
